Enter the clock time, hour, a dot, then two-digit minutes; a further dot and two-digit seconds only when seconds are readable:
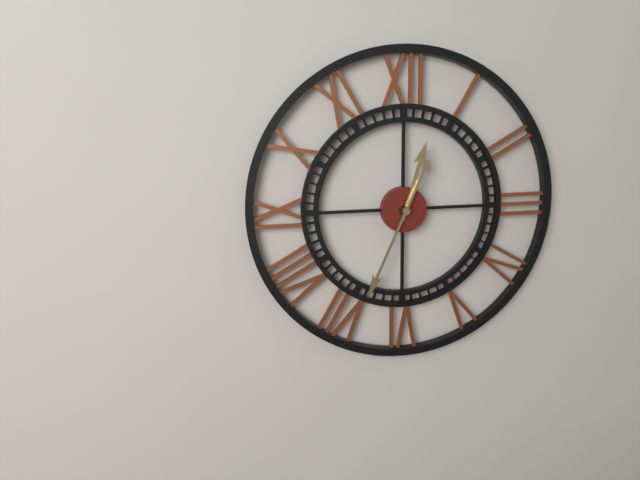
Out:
12.34
